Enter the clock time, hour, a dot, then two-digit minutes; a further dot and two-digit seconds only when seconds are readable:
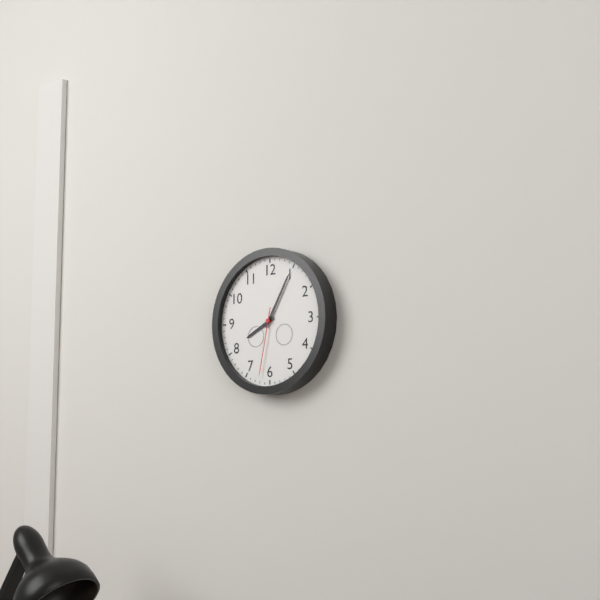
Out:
8.05.32
